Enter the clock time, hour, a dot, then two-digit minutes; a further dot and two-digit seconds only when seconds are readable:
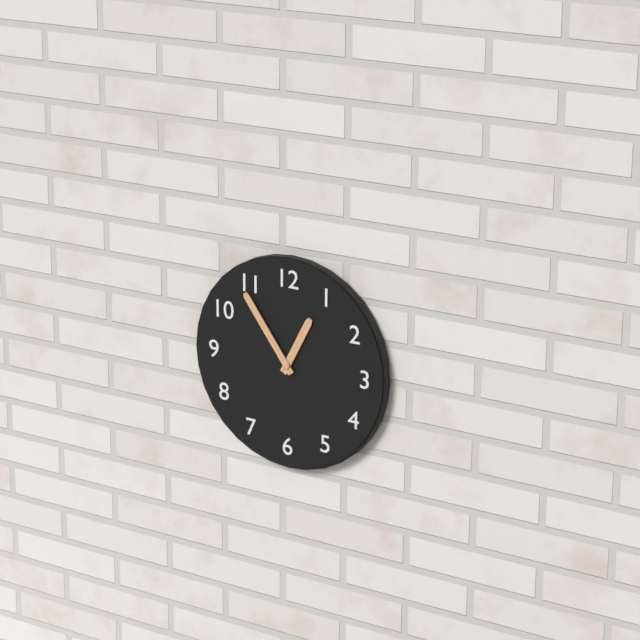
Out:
12.54
